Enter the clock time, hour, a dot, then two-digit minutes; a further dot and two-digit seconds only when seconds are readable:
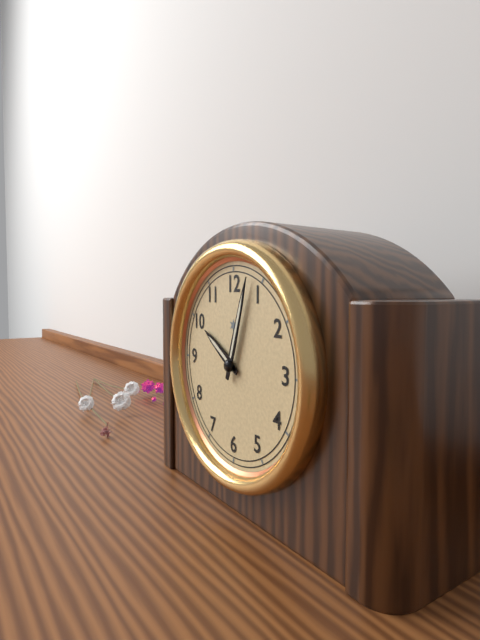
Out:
10.03
